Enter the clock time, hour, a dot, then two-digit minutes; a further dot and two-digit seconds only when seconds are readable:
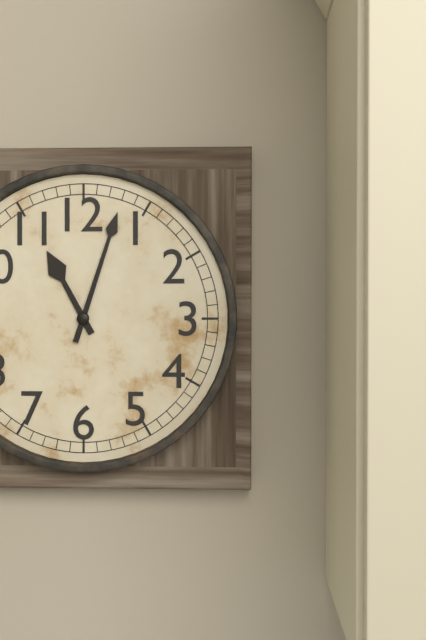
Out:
11.03
